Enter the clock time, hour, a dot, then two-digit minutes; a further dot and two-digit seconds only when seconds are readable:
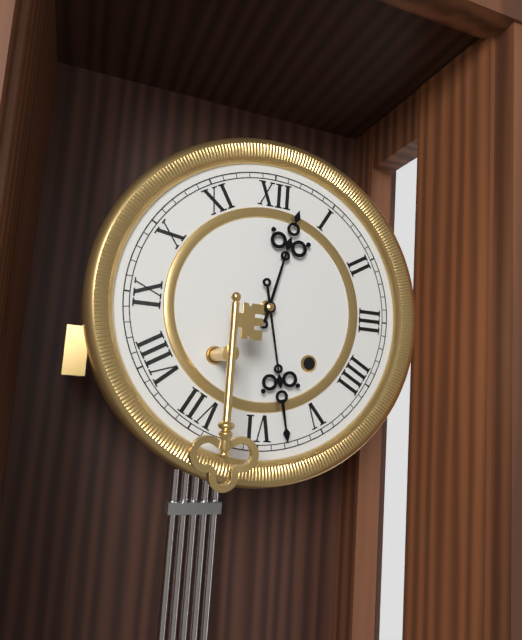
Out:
12.28
